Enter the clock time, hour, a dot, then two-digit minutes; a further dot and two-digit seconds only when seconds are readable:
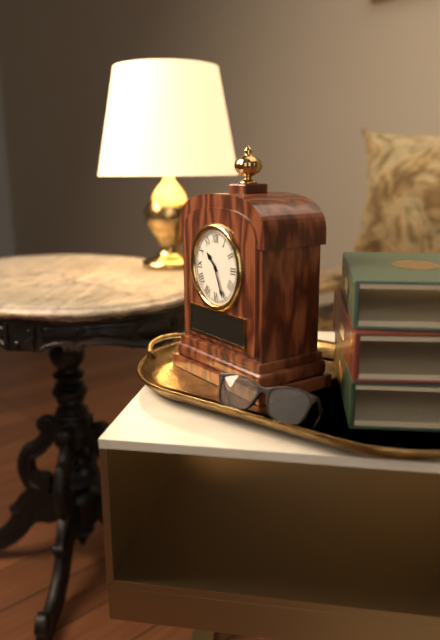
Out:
10.26
